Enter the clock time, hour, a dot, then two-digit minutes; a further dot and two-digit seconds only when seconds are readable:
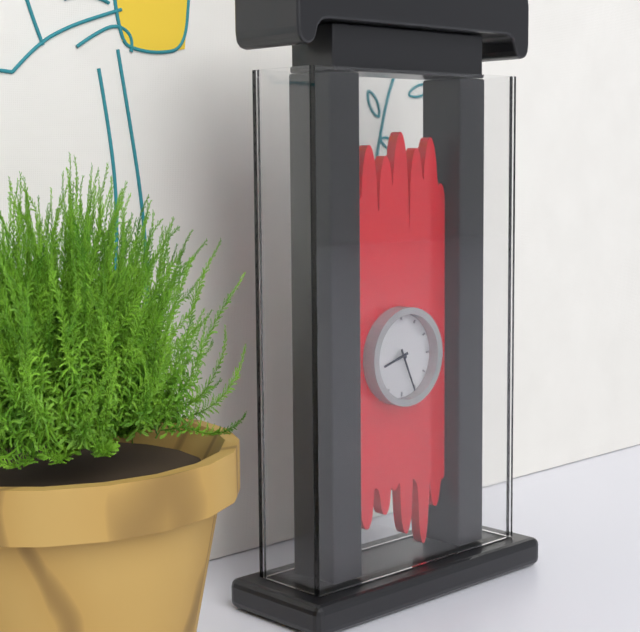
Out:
8.26
